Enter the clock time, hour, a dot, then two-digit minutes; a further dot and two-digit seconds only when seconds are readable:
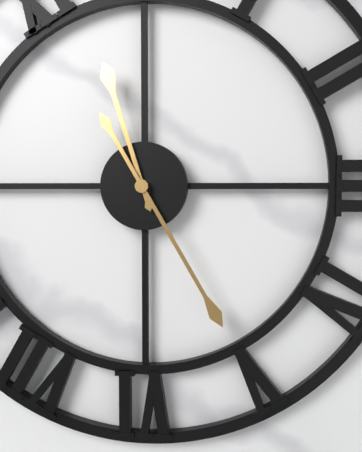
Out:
11.25
